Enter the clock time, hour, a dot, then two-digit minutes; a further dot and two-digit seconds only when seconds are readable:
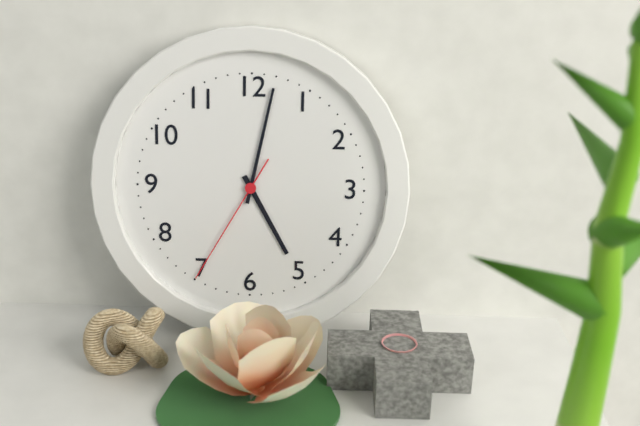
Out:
5.02.35
